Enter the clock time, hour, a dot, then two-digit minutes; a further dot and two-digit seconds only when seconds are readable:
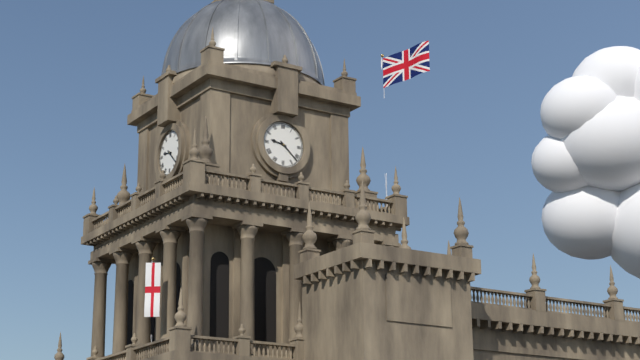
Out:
9.22
